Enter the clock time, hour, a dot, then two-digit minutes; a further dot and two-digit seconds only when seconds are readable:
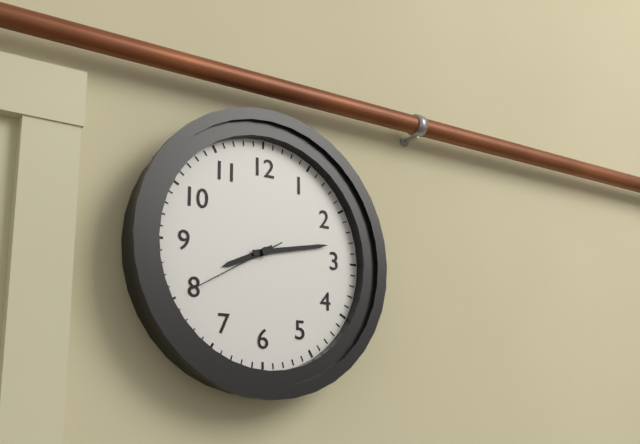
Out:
8.13.40
